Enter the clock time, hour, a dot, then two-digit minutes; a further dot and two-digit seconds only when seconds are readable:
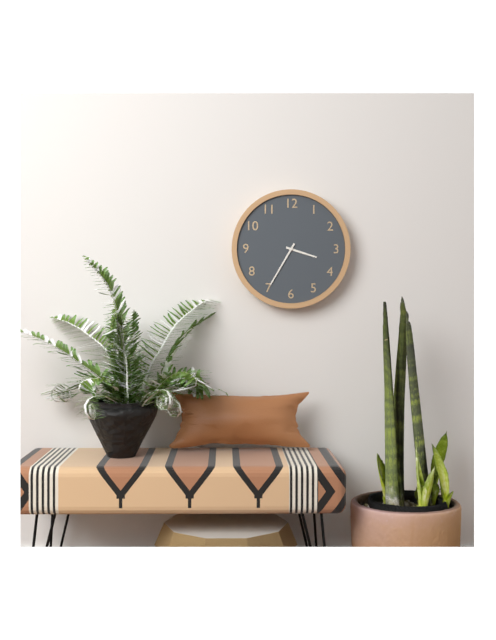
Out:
3.35
